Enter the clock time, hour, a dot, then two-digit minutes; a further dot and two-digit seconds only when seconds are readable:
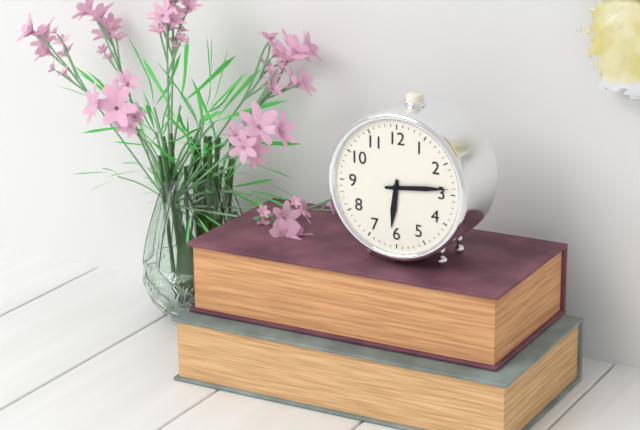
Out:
6.14
